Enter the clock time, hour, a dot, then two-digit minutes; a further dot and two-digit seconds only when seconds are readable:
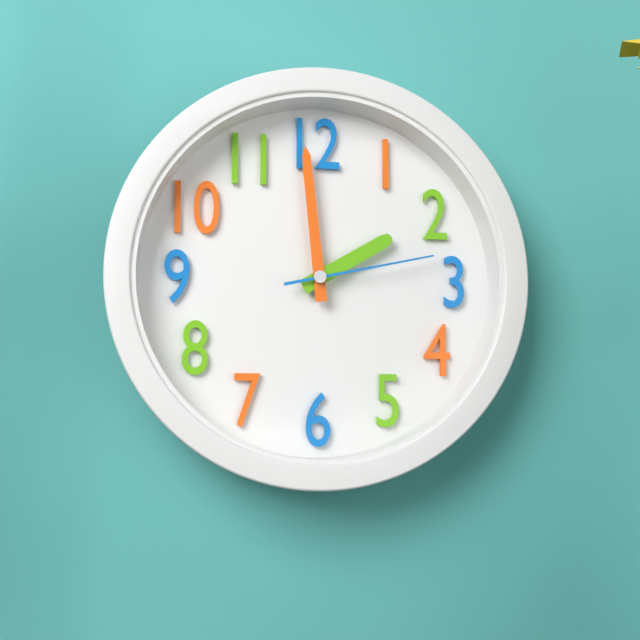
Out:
1.59.13
